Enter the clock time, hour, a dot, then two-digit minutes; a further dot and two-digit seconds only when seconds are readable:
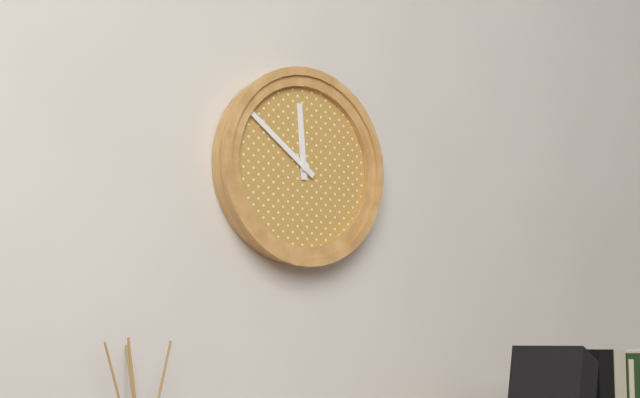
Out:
11.51
